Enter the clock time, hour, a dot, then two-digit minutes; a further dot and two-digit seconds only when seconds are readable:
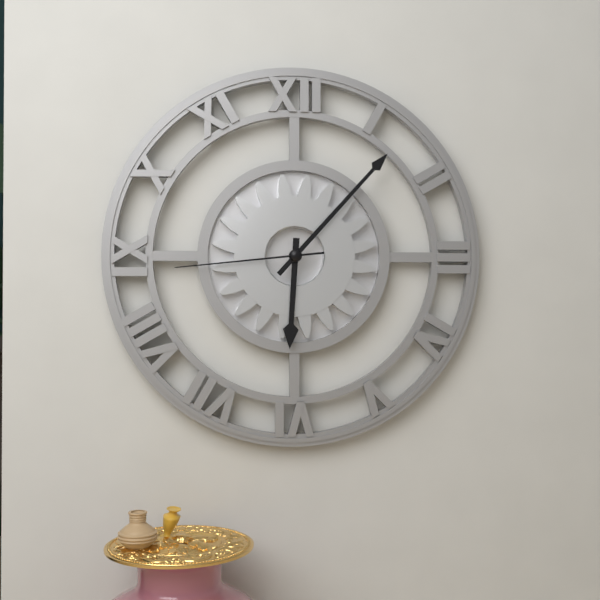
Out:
6.07.44
